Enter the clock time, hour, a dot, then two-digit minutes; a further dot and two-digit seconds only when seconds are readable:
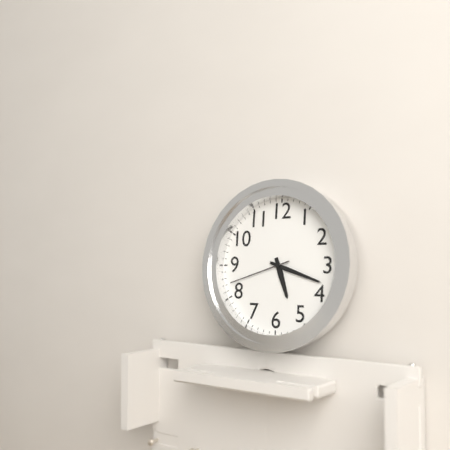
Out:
5.18.42
